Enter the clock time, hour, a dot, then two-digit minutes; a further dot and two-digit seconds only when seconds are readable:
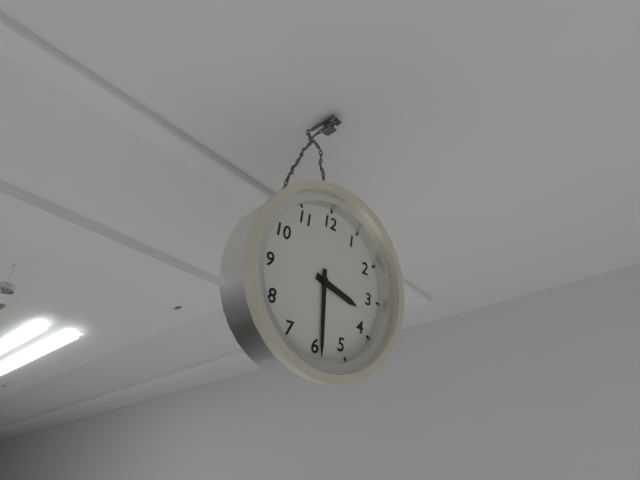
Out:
3.29
